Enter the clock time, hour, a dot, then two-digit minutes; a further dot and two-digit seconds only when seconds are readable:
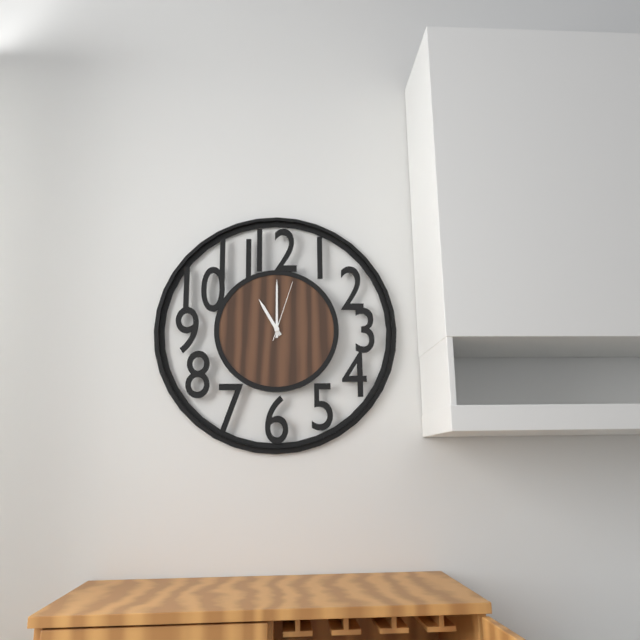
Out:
11.00.03
